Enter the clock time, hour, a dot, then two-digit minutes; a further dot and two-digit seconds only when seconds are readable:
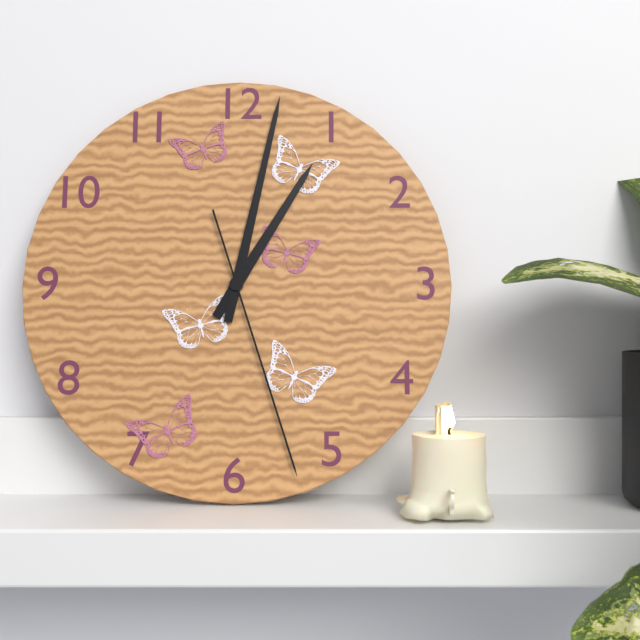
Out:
1.02.27
